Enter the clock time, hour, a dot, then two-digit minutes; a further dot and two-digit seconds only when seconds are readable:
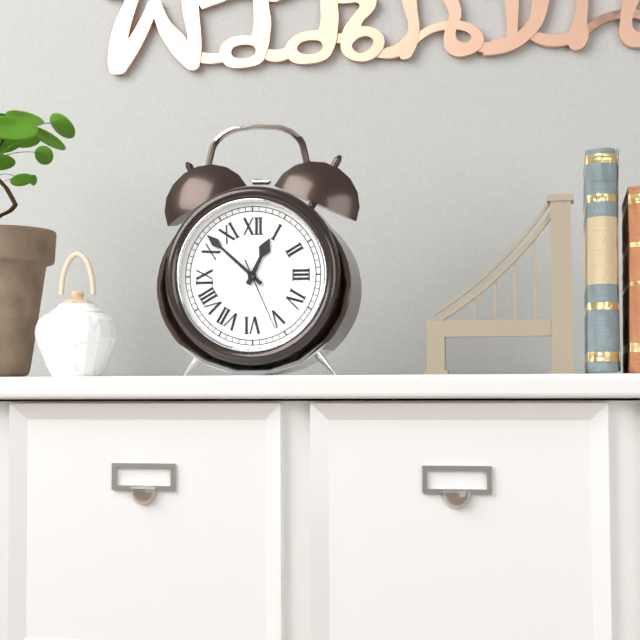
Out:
12.52.26
